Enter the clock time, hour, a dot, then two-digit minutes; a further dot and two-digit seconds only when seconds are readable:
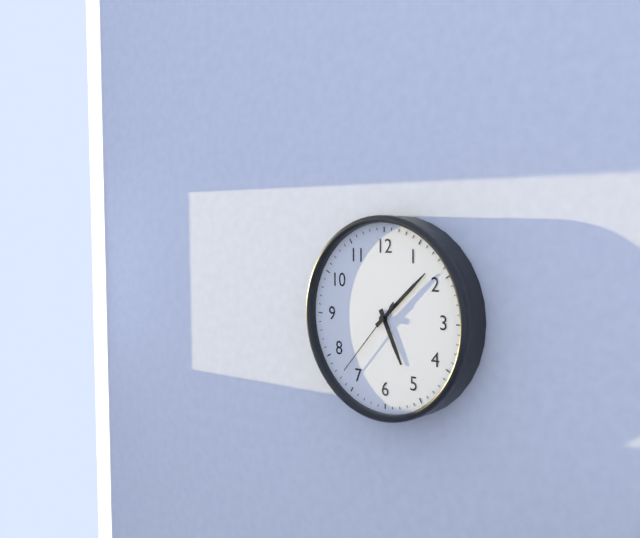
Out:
5.08.37
